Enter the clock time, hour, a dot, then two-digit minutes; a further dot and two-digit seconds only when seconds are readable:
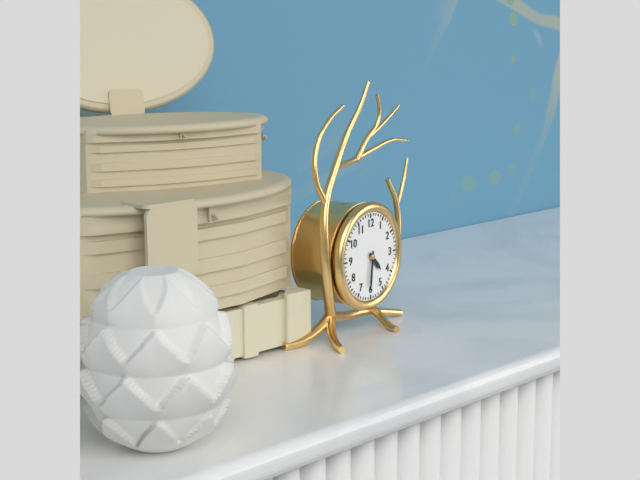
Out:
4.31
